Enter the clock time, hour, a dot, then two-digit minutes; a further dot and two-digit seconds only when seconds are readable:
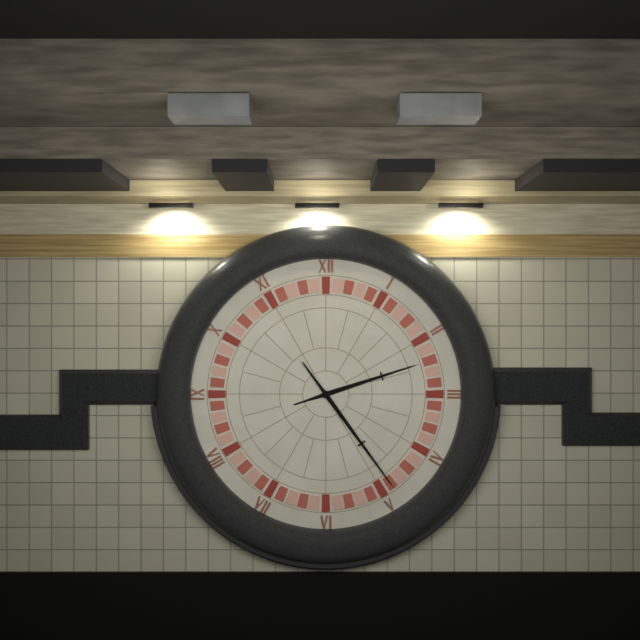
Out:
2.24
